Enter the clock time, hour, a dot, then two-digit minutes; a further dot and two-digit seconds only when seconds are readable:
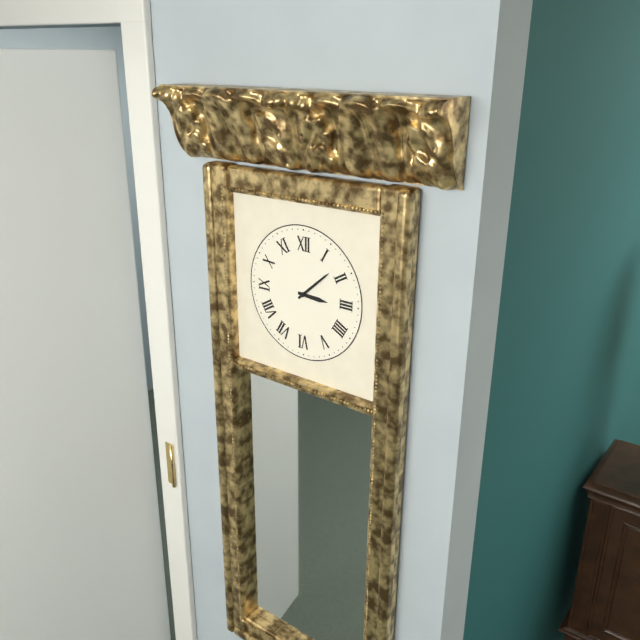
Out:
3.08
